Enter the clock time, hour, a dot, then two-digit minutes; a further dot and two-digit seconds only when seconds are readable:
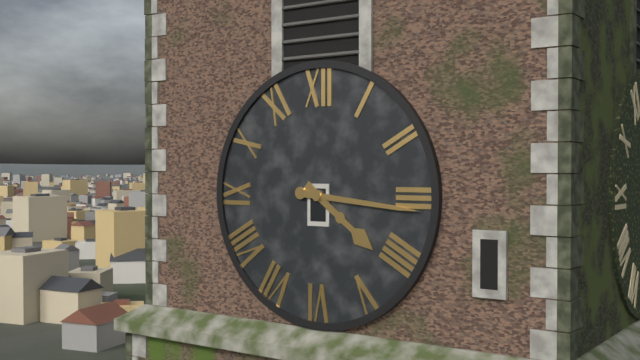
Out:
4.16
